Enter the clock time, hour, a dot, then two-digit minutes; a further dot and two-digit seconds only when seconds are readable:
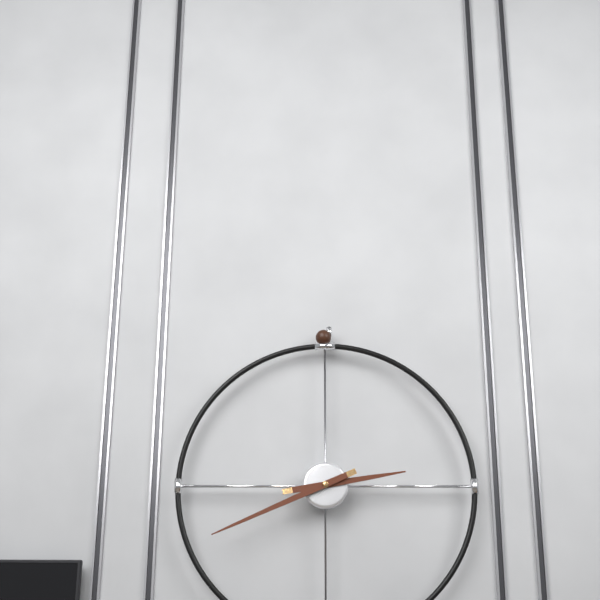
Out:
2.41
